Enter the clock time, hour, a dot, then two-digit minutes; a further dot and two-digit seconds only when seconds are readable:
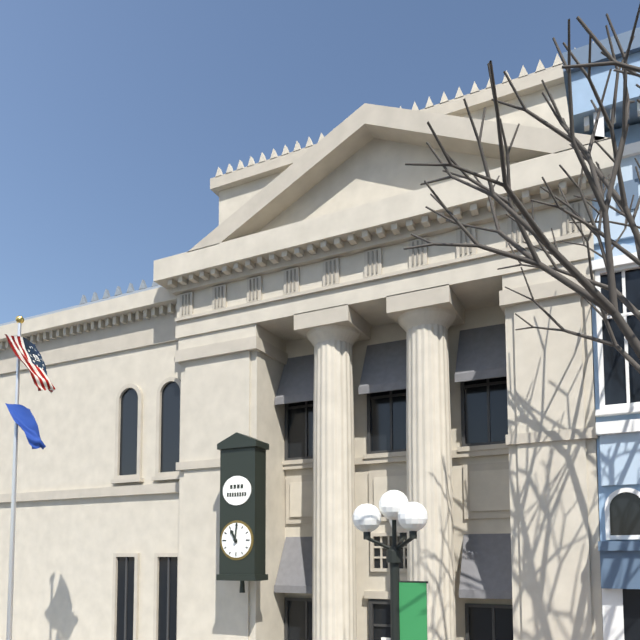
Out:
11.01
